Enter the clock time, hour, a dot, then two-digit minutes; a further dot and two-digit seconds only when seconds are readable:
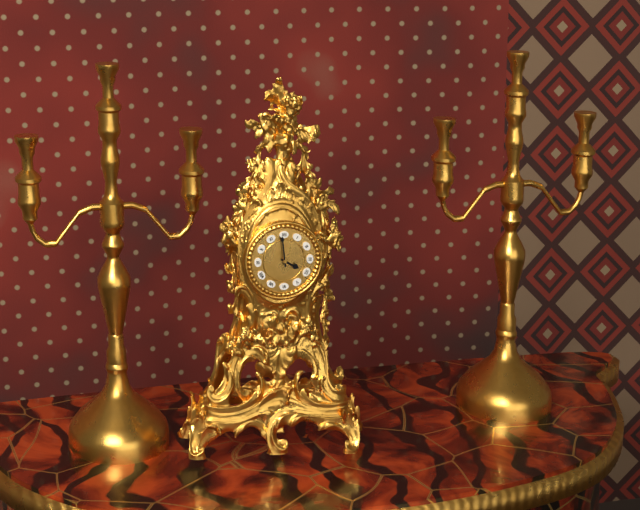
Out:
3.59
